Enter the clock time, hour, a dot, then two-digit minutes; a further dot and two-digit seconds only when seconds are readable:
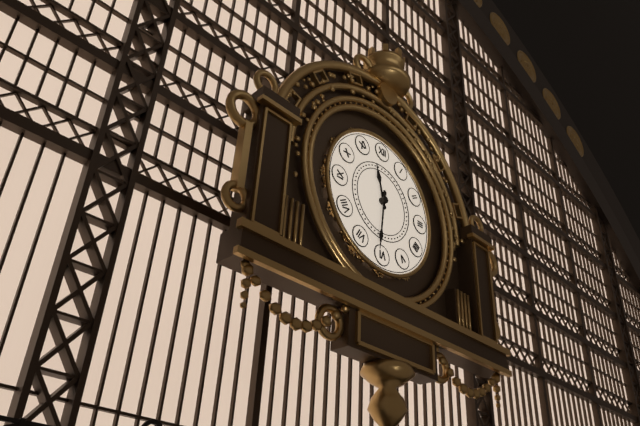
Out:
11.31
